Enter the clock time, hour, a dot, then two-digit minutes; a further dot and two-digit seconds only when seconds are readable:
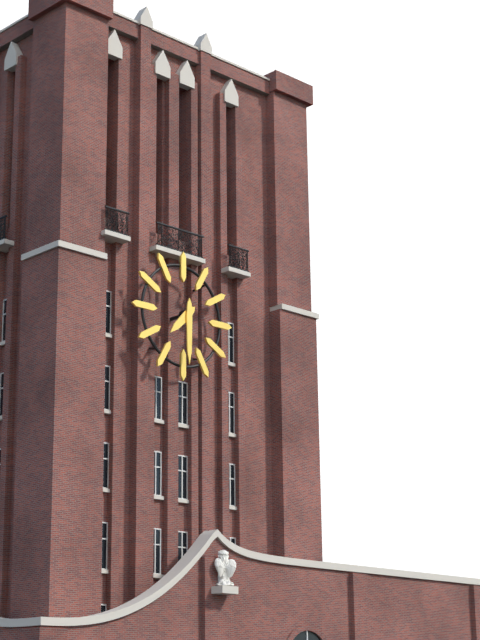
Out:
7.30
